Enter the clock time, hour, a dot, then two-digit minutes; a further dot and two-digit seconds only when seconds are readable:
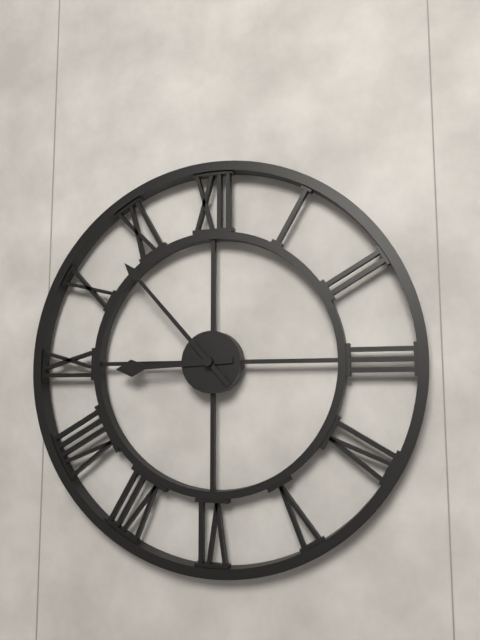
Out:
8.53
